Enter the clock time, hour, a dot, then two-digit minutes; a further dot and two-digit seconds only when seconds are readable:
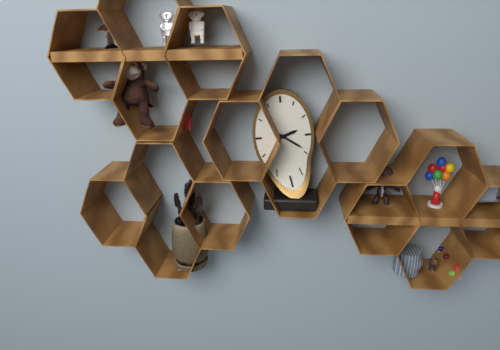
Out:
2.21
